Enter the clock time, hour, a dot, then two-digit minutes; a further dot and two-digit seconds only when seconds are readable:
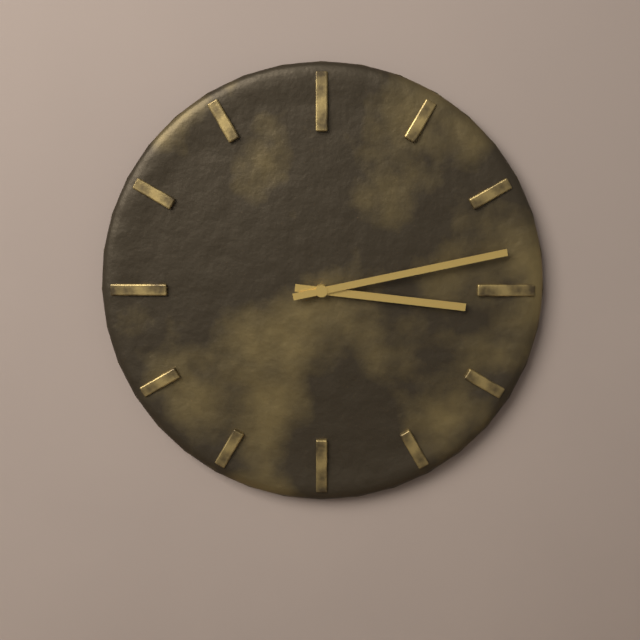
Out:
3.13
